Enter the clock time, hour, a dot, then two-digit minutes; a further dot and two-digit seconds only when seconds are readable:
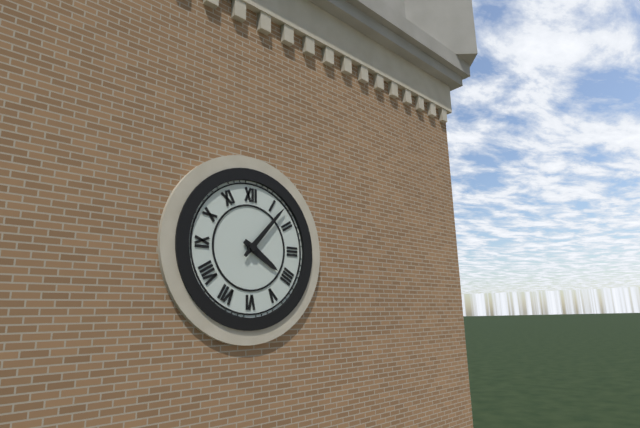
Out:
4.07
